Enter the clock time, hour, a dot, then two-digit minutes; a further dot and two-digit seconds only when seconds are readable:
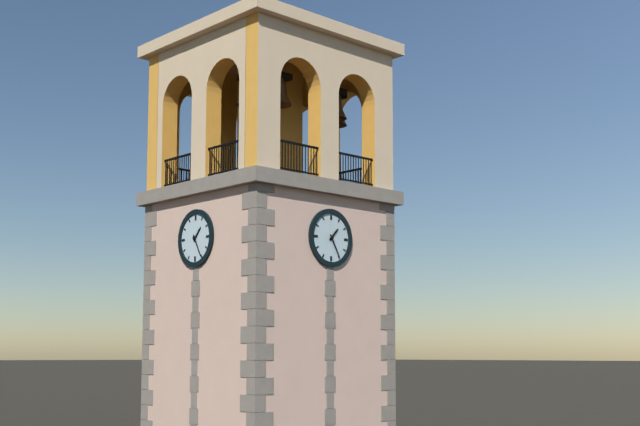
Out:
1.25
